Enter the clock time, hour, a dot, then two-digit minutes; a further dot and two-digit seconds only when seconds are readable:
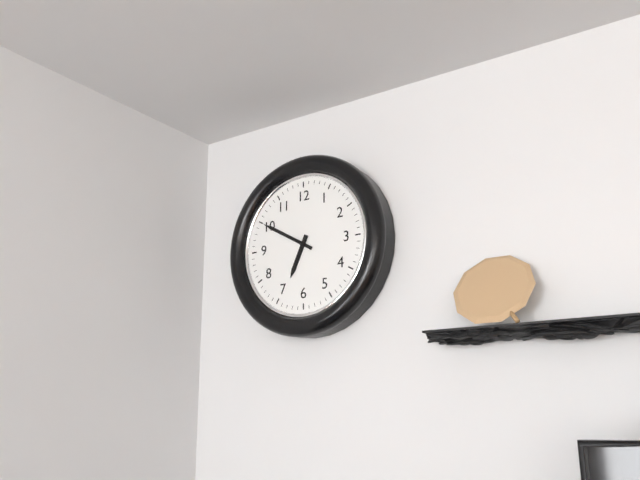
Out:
6.50
